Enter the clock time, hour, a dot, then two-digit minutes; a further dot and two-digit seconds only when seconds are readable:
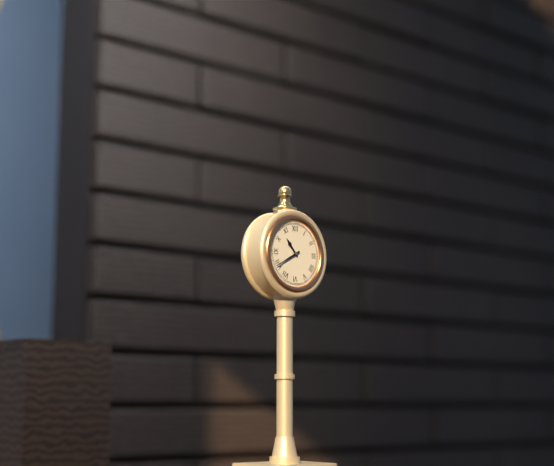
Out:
10.40
